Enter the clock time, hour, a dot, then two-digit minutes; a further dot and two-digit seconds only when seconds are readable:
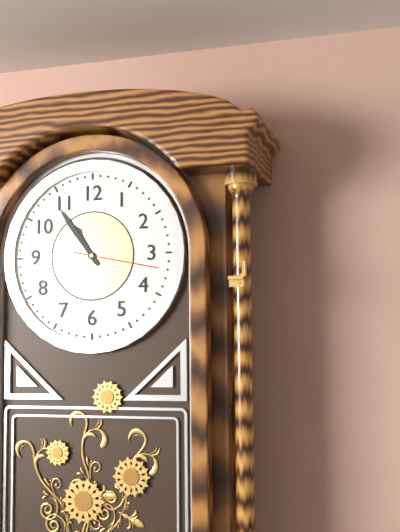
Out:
10.54
